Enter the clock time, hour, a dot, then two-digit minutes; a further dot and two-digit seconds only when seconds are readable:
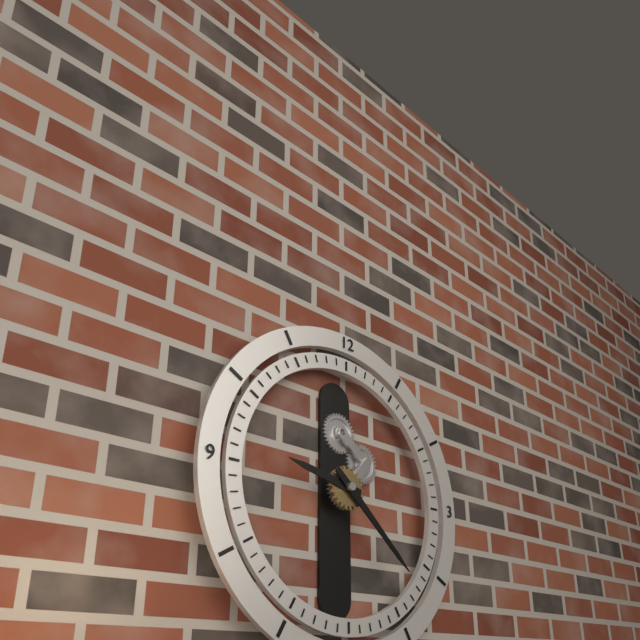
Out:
9.22
